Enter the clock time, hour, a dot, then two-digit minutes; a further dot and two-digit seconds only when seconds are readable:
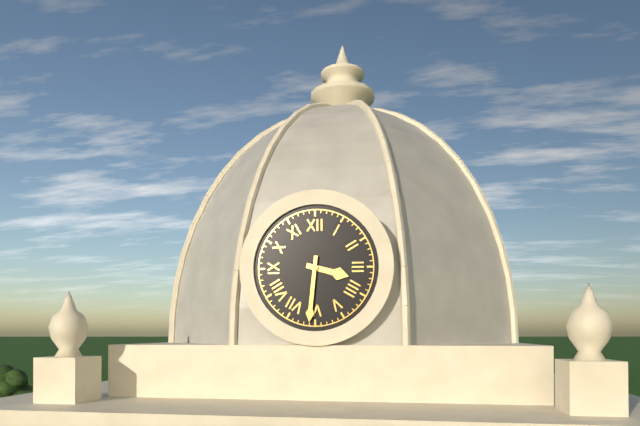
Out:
3.31
